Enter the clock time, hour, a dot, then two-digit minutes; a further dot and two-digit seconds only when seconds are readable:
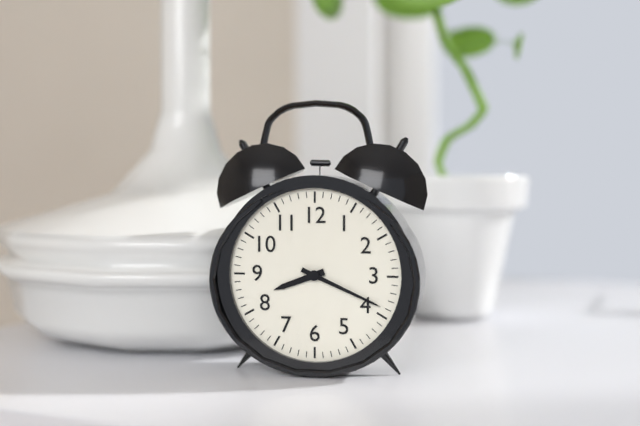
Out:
8.19
